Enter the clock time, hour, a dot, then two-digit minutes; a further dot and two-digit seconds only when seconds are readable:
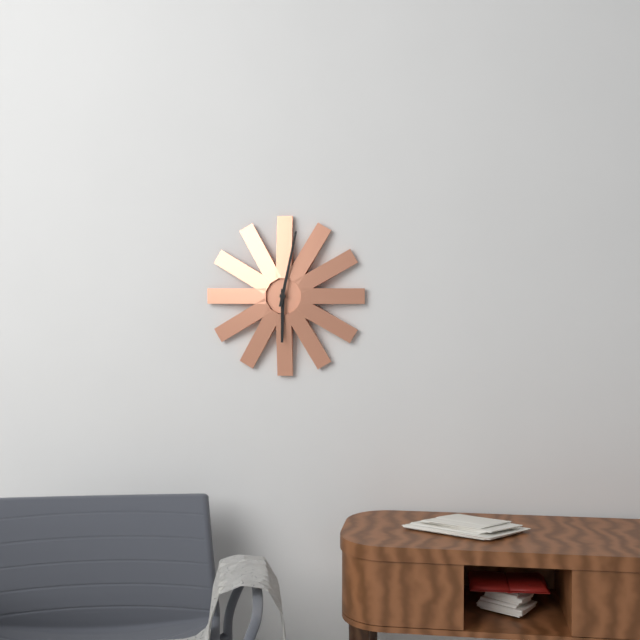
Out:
6.02
